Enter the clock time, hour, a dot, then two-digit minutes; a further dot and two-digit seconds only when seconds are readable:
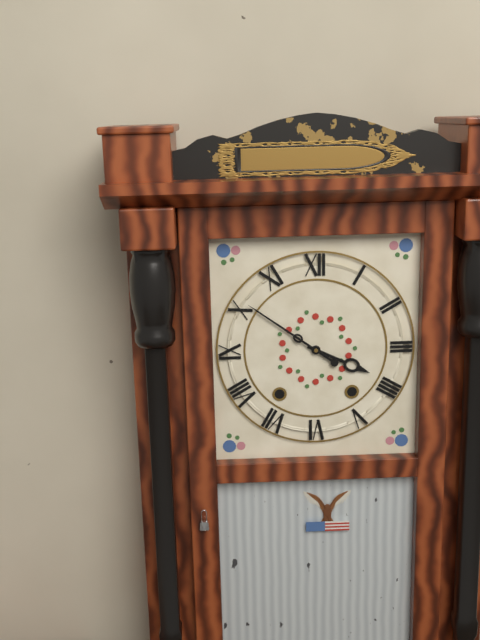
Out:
3.51
